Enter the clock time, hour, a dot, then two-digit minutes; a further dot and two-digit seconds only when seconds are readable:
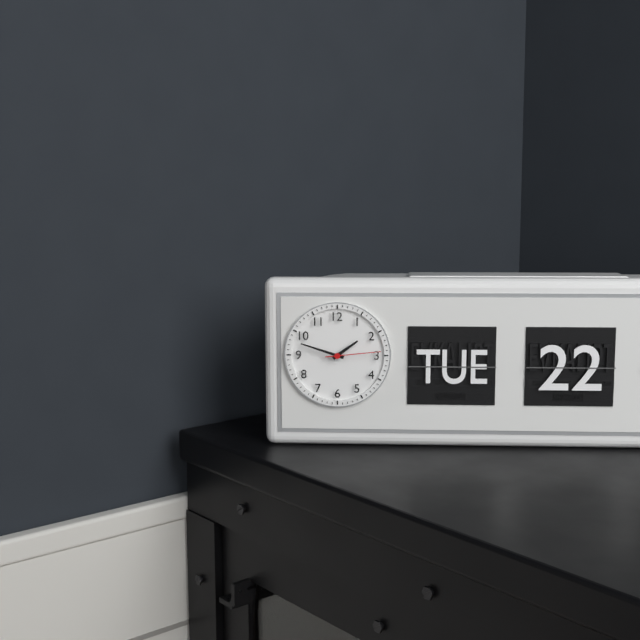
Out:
1.48.14
